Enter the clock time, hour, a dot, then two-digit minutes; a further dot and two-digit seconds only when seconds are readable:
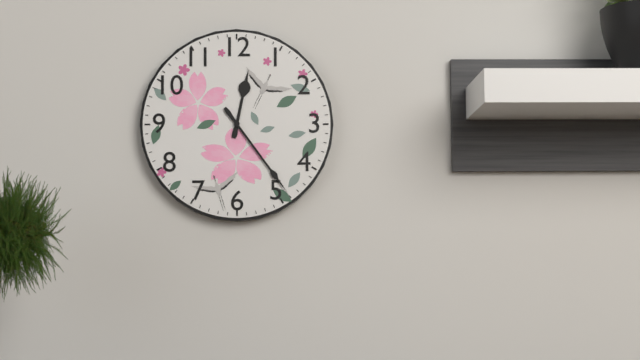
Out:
12.24
